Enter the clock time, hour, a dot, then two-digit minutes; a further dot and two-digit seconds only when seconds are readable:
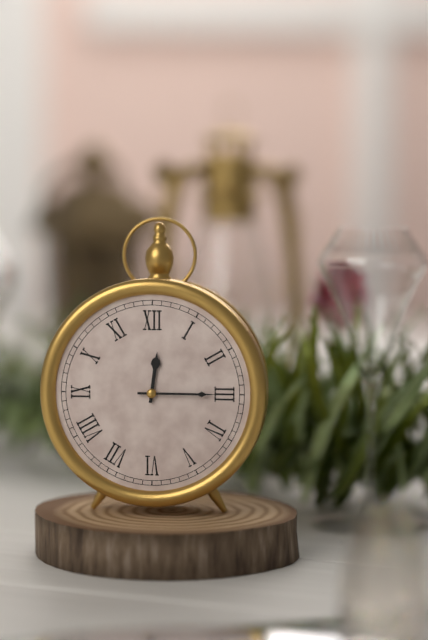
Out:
12.15
